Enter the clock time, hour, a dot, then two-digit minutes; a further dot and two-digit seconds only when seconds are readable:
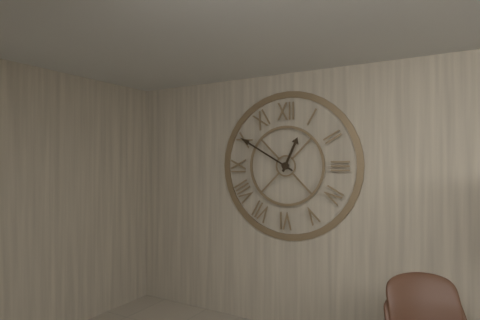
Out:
12.50
